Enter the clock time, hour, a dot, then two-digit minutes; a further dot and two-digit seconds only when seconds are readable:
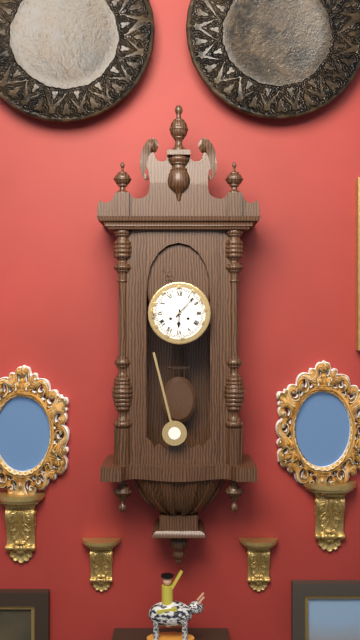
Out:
6.07
